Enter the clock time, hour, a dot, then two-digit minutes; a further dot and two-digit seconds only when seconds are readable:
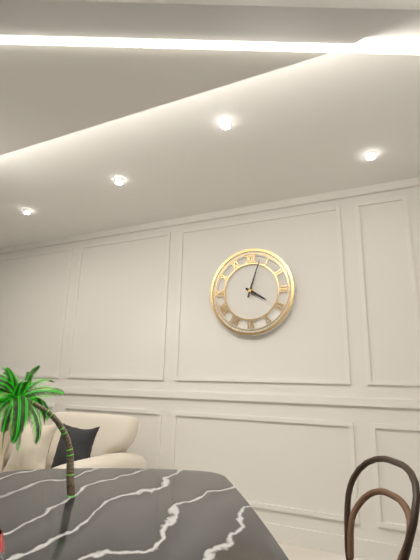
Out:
4.03
